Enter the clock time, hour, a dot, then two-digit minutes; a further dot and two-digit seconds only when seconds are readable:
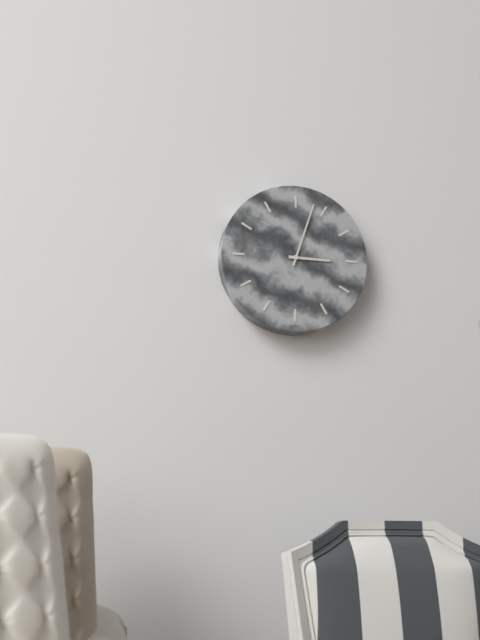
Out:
3.03
